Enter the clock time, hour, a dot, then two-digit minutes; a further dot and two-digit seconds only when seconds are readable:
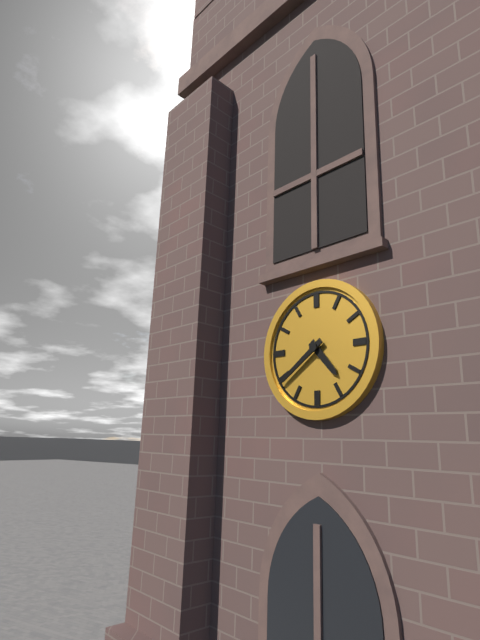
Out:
4.39
